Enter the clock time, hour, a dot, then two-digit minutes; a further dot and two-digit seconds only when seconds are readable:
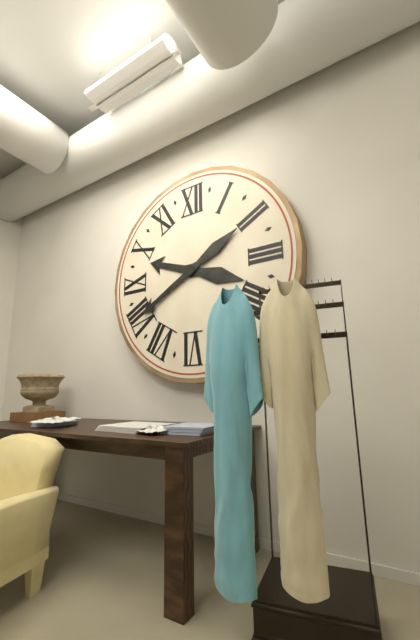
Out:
9.40
